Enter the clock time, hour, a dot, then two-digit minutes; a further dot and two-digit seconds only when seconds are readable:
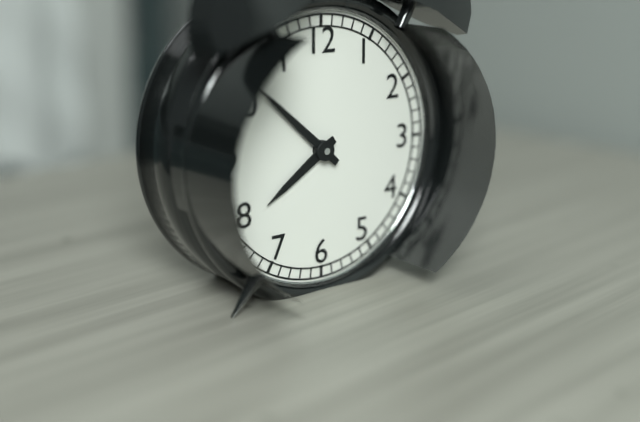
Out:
7.52
